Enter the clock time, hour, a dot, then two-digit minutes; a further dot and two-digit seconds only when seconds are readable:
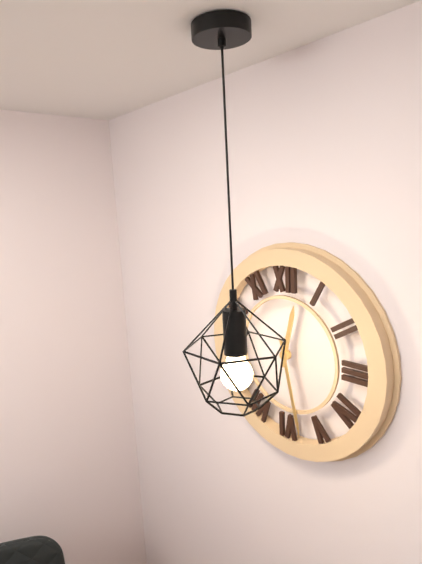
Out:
12.28
